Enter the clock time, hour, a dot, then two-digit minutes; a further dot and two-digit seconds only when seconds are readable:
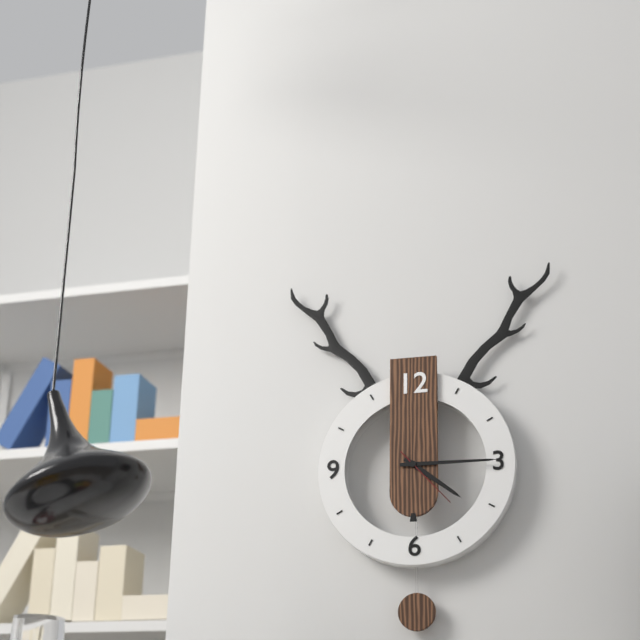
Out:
4.15.23
